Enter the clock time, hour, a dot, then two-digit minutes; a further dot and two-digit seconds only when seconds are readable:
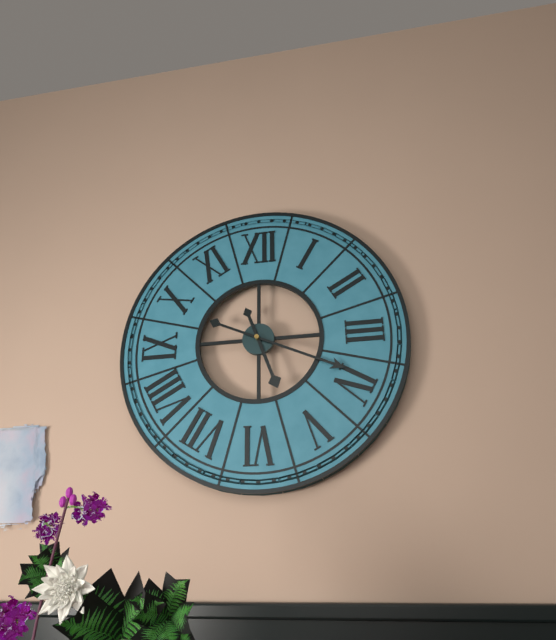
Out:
5.19
